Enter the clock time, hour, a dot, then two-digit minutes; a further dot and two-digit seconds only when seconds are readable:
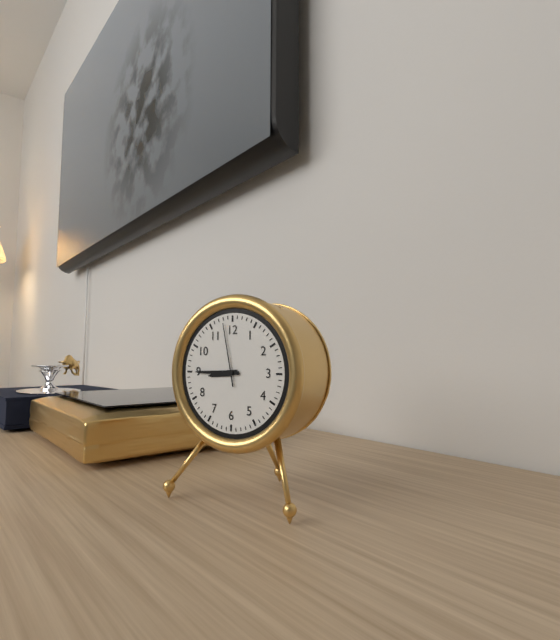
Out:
8.45.58
